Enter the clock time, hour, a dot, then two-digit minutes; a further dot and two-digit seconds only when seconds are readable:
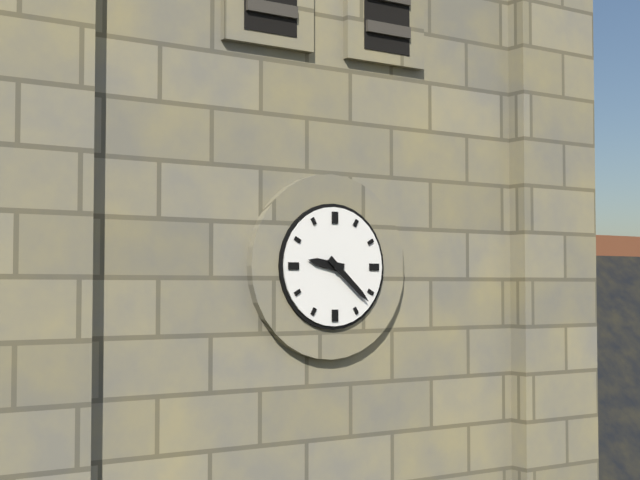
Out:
9.22
